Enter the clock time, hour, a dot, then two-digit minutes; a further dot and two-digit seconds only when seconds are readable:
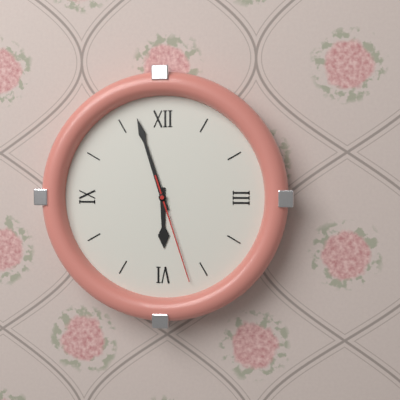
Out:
5.57.27
